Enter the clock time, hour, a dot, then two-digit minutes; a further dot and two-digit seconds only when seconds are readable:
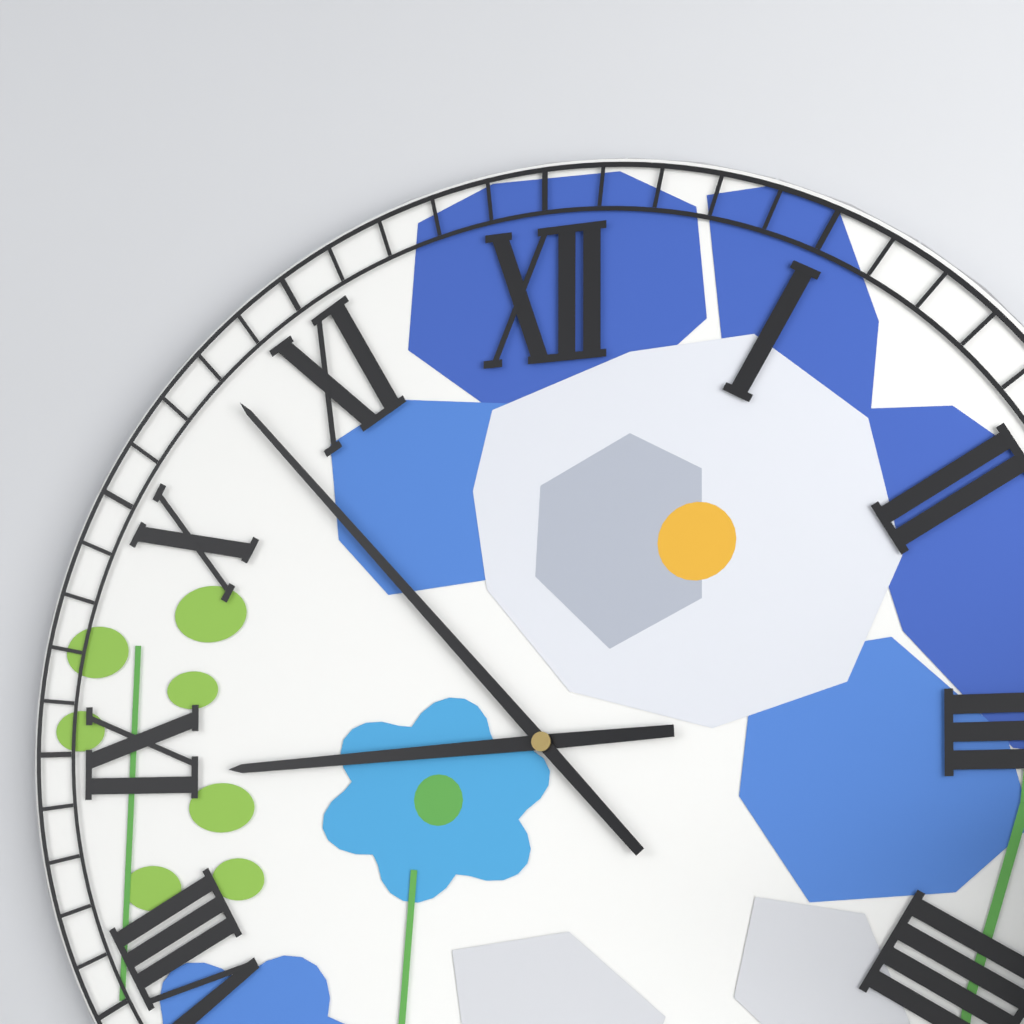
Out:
8.53
